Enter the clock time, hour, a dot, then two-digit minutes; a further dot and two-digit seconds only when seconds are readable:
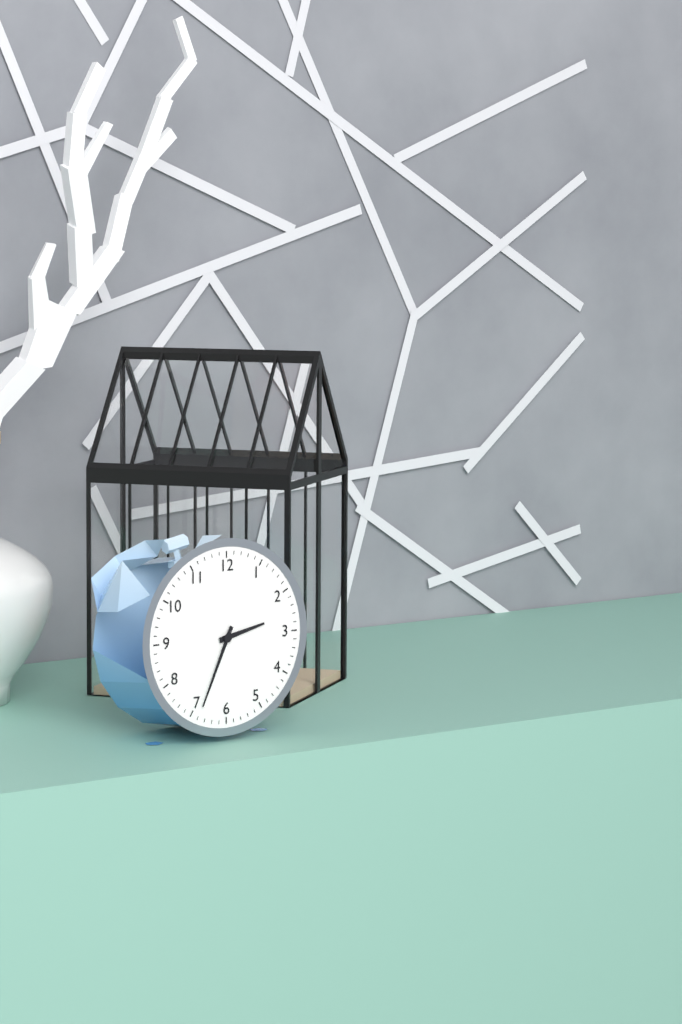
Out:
2.34
